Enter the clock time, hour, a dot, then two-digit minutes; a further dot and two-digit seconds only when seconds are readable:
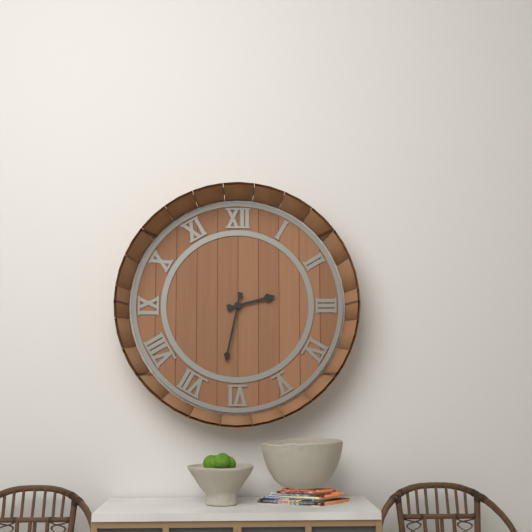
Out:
2.32
